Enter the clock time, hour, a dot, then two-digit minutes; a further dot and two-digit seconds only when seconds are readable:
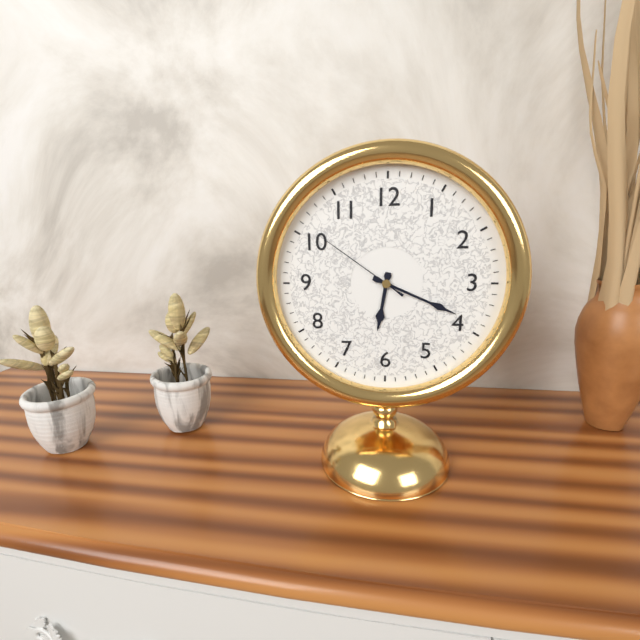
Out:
6.19.51
